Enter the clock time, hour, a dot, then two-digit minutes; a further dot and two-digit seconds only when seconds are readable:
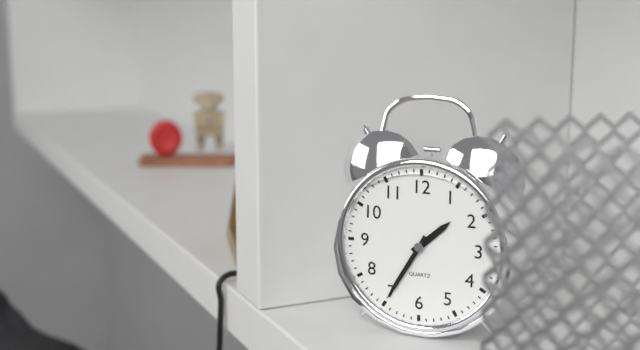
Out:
1.35
